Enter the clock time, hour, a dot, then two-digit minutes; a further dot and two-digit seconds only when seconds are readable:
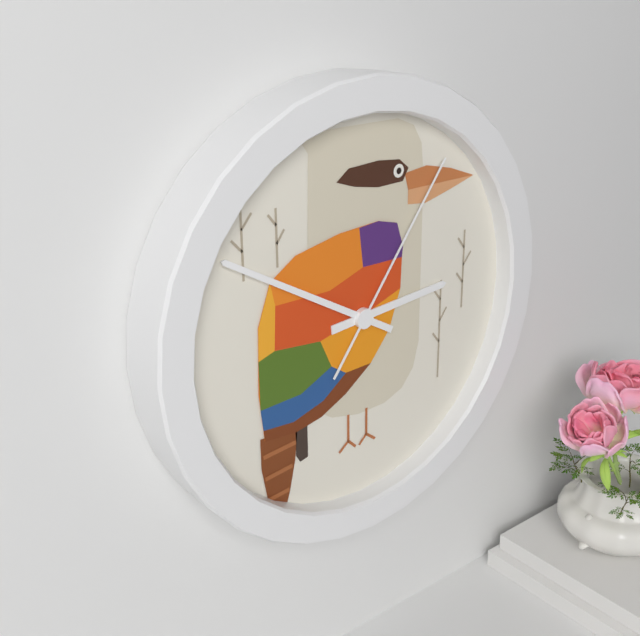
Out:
2.50.06
